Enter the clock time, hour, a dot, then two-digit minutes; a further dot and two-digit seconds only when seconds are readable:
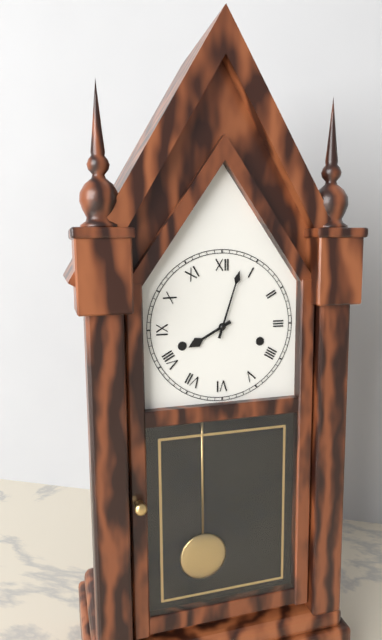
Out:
8.03
